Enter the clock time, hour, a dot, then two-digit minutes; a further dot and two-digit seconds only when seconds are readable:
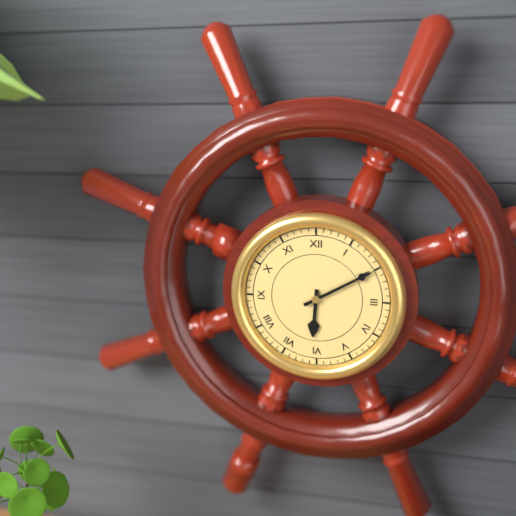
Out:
6.10
